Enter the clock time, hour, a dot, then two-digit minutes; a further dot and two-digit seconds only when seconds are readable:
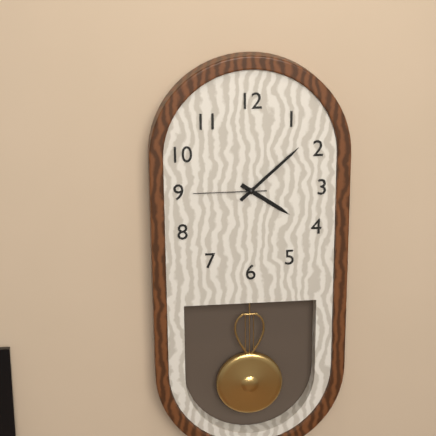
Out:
4.08.45
